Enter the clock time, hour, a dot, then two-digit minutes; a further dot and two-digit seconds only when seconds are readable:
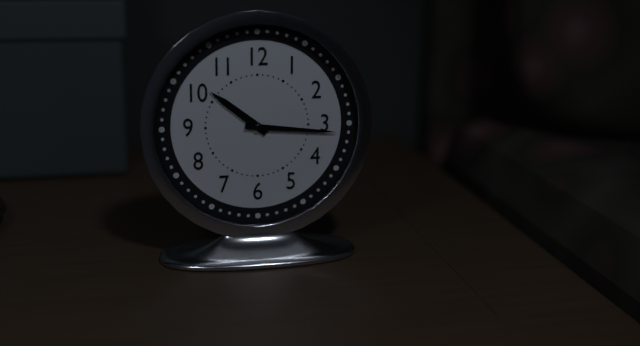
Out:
10.16
